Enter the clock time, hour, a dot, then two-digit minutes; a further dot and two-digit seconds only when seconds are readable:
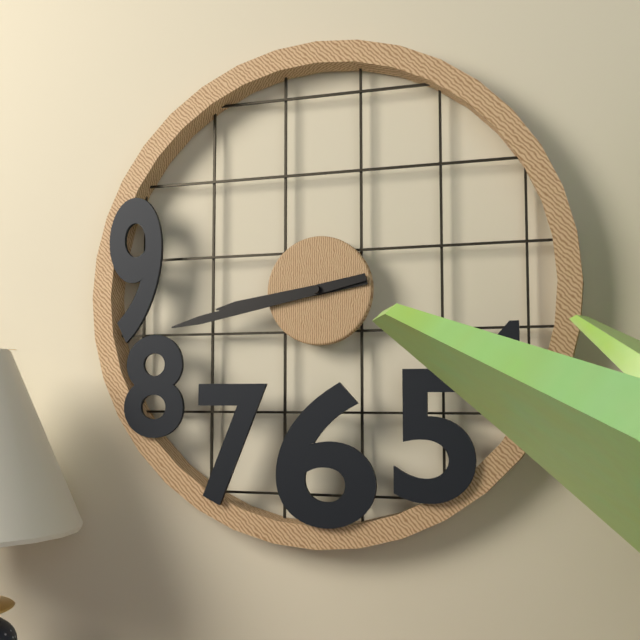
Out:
8.43
